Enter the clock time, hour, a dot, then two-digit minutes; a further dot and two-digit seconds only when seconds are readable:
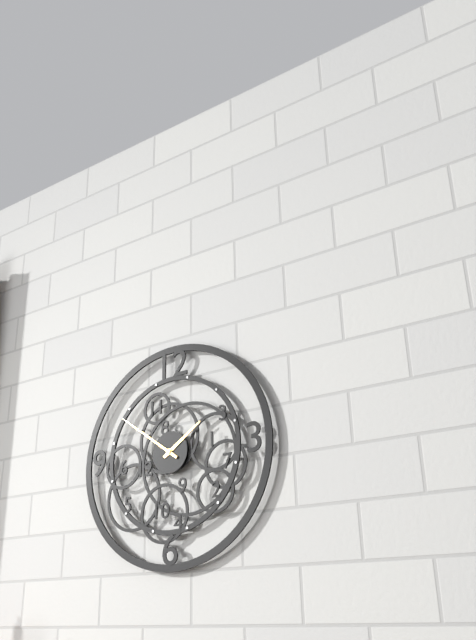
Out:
1.51
